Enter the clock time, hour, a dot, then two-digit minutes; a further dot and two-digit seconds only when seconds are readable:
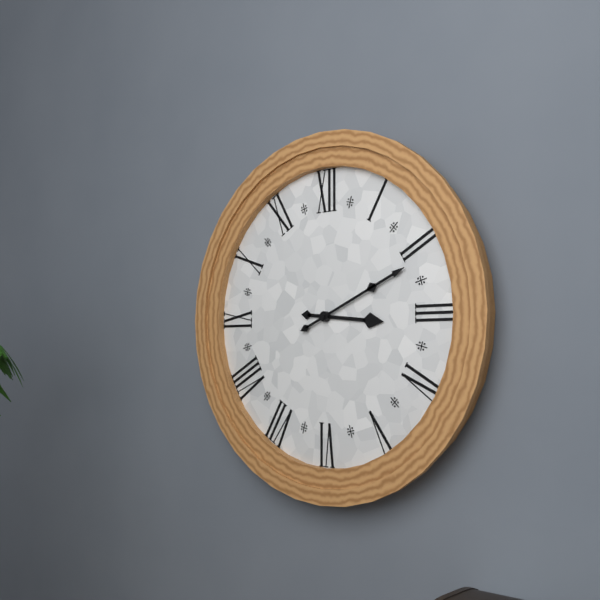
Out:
3.11
